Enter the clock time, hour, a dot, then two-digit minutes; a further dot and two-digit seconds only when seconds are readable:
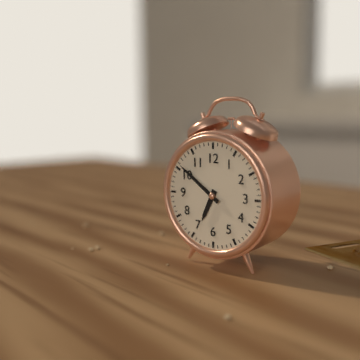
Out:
6.51
